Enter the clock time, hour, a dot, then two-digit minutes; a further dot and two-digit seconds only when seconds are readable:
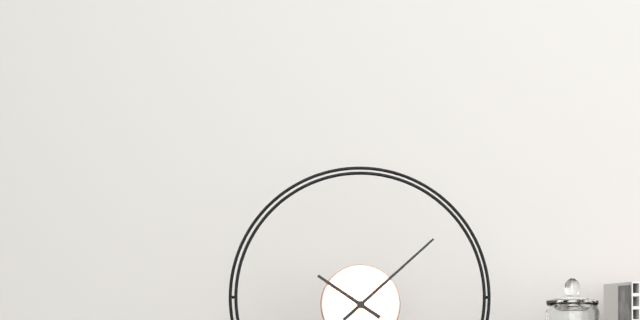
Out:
10.08
